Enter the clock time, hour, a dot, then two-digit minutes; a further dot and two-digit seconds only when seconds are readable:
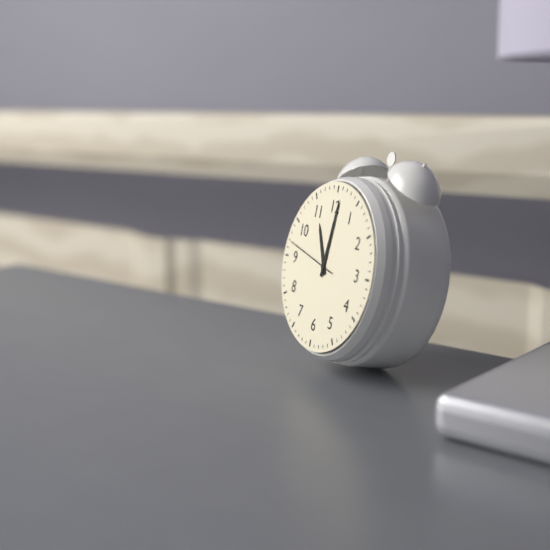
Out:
11.01.47
